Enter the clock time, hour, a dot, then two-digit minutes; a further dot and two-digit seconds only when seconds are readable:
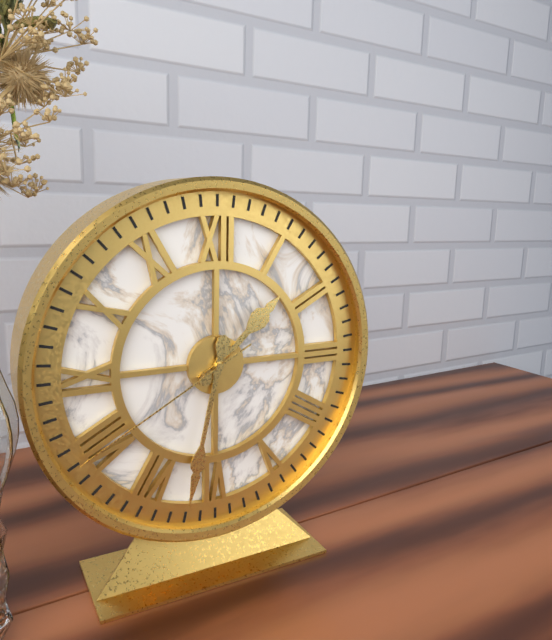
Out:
1.32.40
